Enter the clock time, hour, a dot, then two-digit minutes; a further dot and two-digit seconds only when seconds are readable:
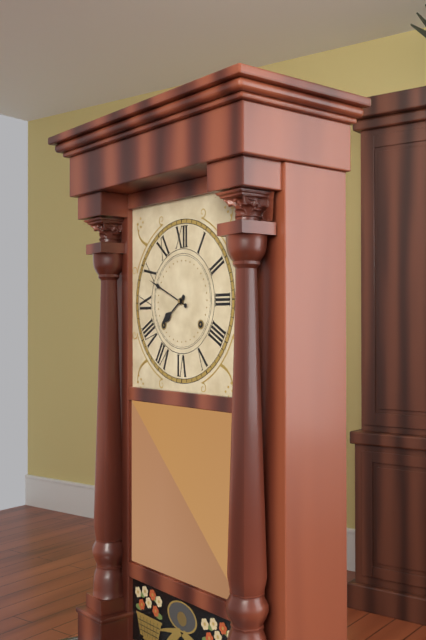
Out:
7.49
